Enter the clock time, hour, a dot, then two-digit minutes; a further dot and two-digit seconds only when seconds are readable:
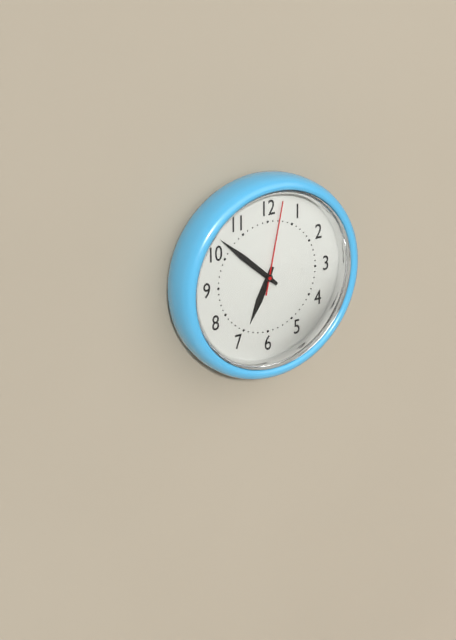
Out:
6.52.02
